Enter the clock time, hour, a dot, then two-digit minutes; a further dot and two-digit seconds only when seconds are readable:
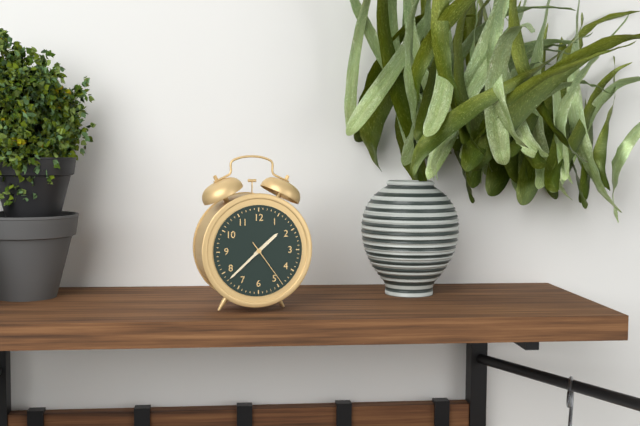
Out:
1.38
